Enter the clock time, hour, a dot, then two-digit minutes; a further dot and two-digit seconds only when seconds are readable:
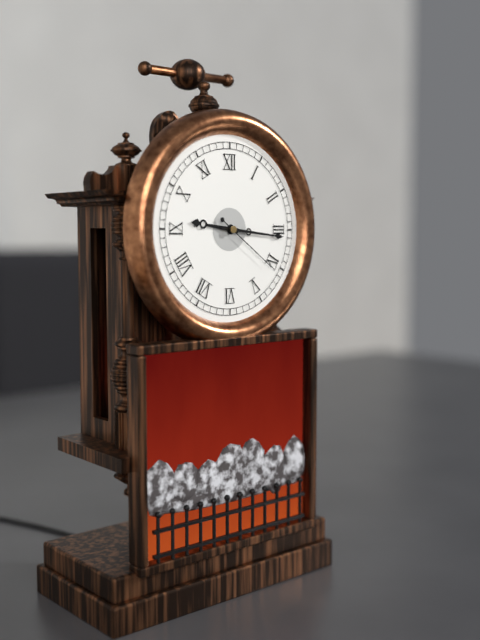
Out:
9.16.21
